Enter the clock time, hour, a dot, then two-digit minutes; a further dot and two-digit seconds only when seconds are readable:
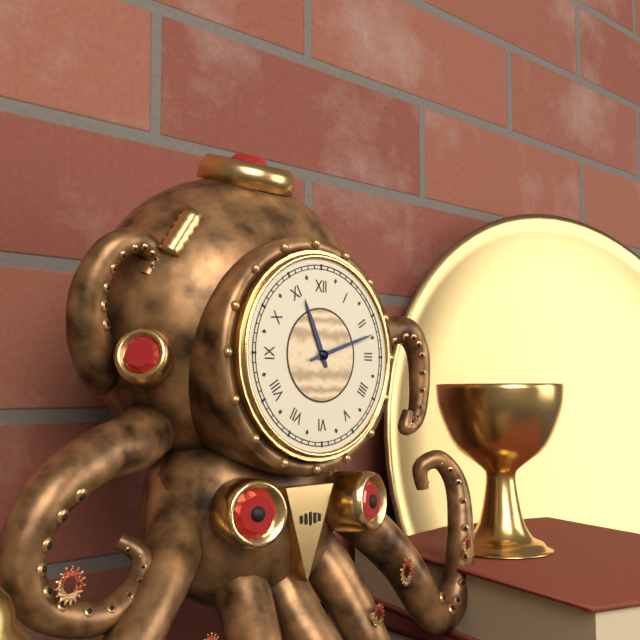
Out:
11.12
